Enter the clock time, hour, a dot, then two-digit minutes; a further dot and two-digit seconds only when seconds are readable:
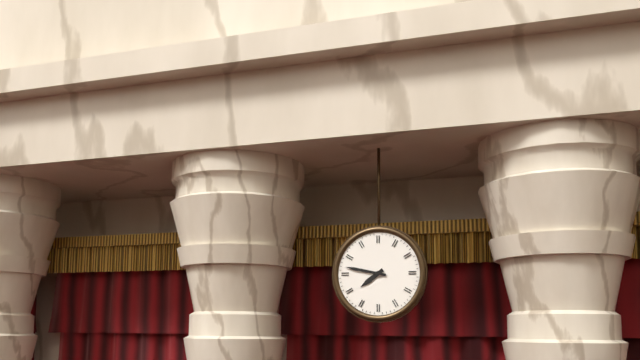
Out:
7.47
